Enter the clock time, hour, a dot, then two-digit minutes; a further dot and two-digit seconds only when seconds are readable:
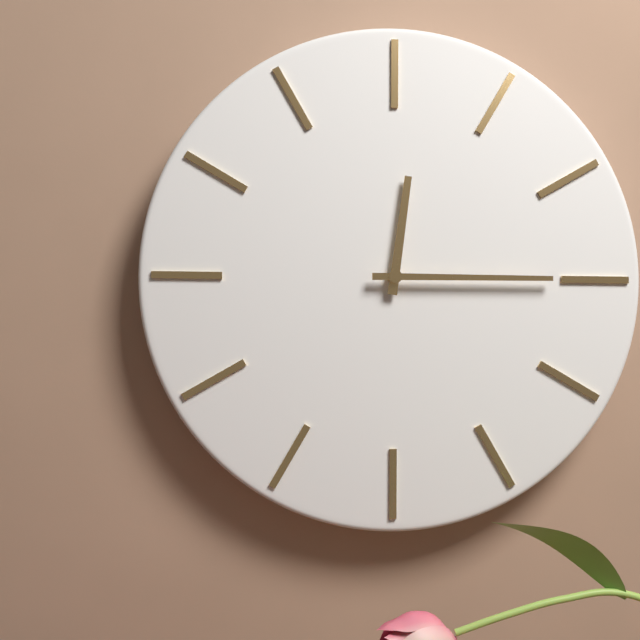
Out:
12.15
